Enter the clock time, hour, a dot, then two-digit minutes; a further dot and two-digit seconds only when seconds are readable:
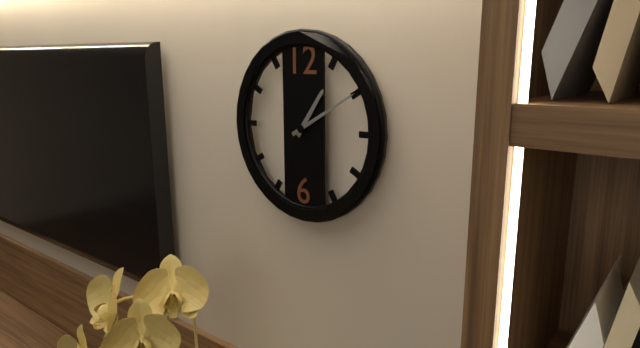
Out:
1.10
